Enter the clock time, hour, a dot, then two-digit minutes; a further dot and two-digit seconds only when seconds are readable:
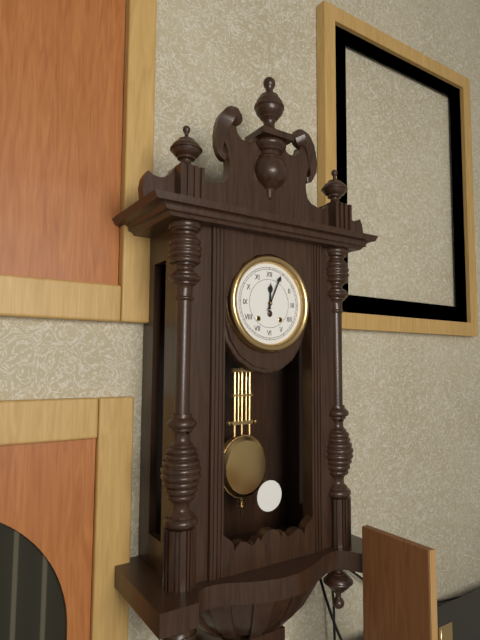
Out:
12.04
